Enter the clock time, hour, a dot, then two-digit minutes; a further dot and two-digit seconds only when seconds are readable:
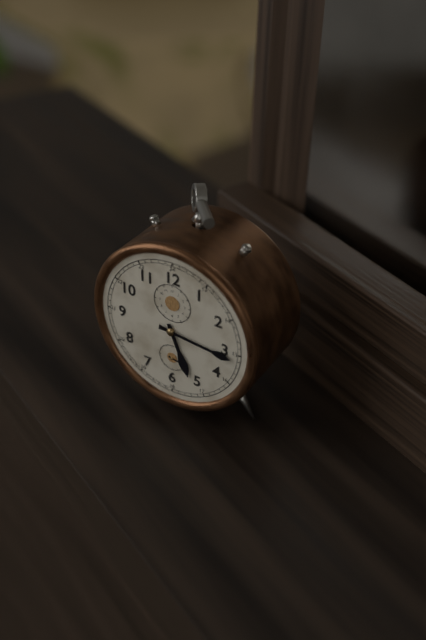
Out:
5.16
